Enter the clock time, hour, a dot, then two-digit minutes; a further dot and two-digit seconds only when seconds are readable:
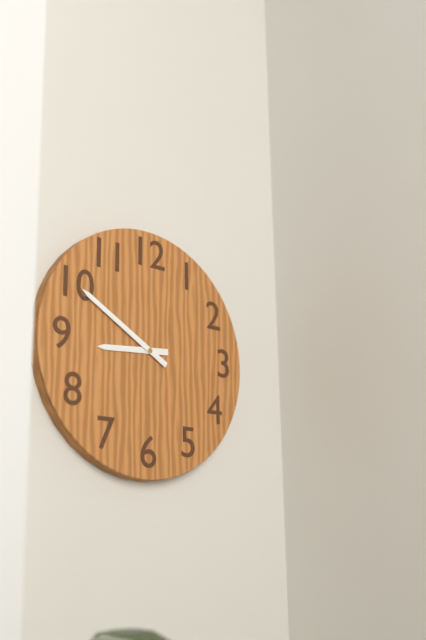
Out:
8.50
